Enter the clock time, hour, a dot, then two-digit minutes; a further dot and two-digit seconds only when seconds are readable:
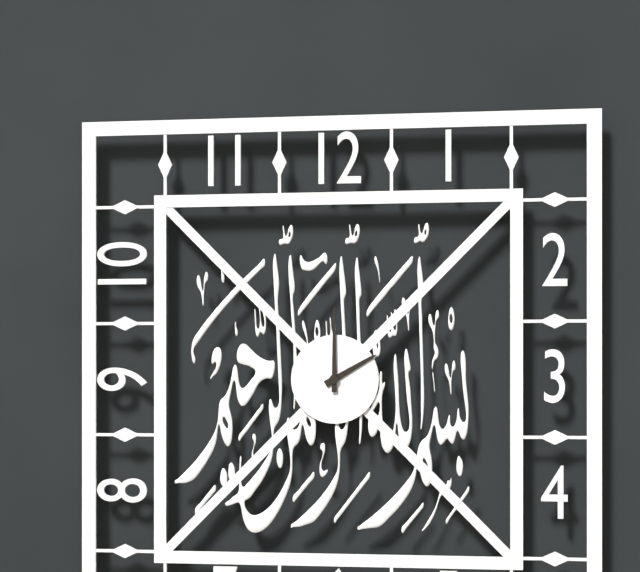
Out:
2.00
